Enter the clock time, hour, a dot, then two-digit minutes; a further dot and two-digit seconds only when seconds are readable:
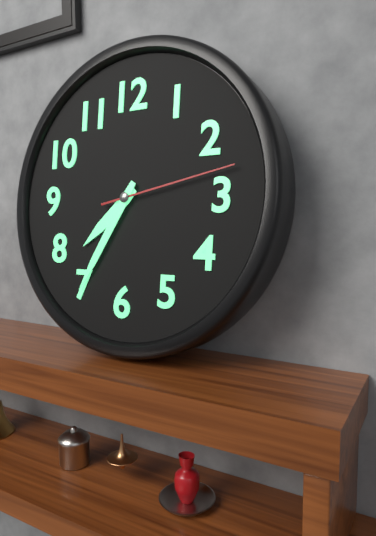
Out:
7.35.13
